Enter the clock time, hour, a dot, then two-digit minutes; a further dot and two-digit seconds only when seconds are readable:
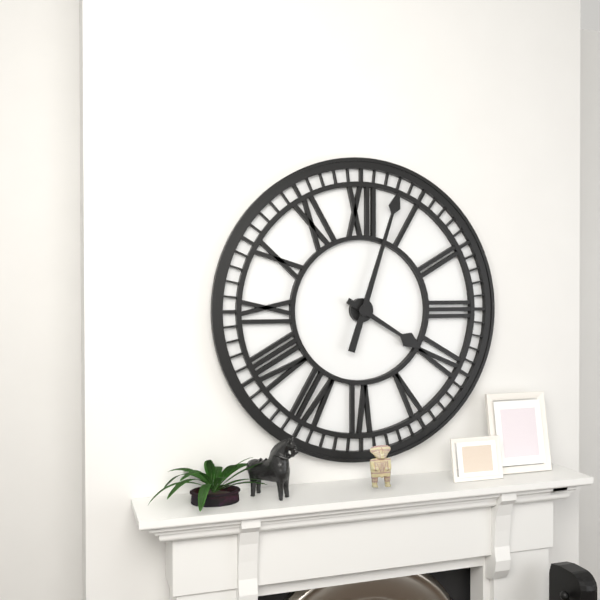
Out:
4.03
